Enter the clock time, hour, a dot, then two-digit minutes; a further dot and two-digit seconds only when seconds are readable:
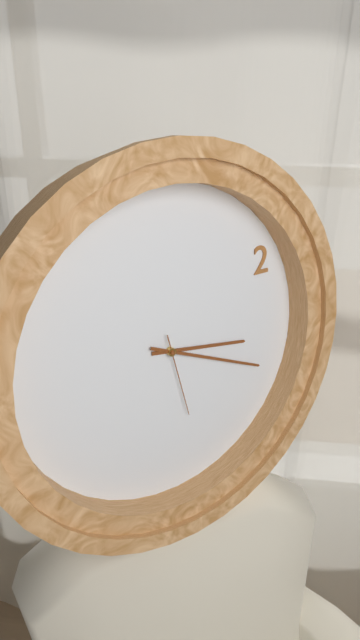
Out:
3.19.28
